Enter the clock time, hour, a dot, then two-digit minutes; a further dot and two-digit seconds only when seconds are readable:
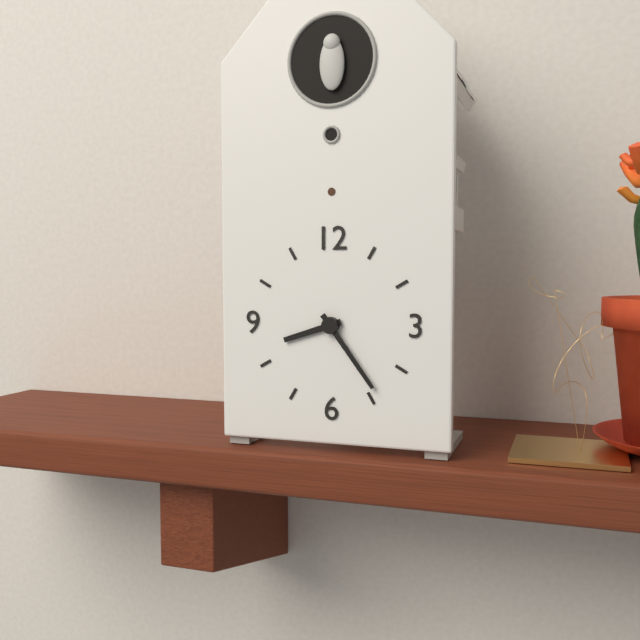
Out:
8.24
